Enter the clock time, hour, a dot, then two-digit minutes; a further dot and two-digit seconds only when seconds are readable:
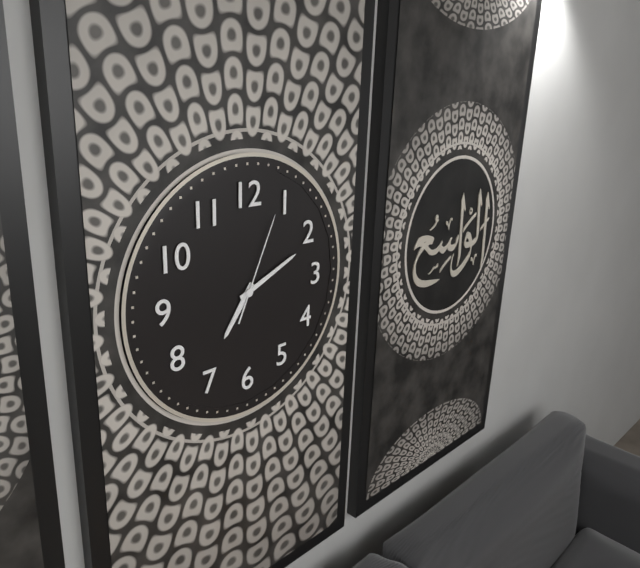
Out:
7.11.04
